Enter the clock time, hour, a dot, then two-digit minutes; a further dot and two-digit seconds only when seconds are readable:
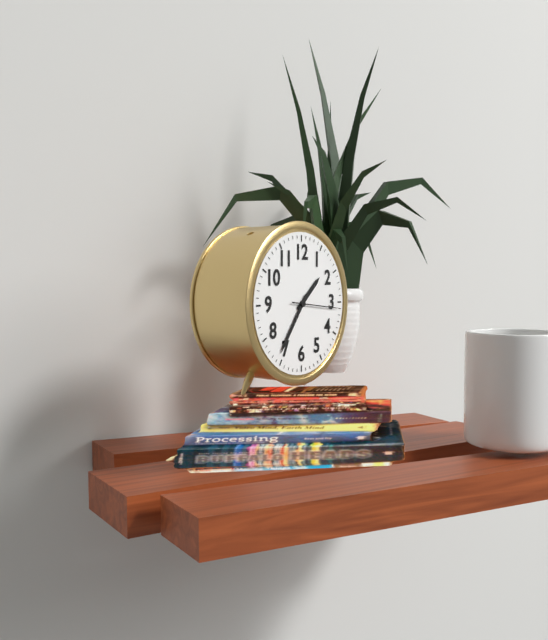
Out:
1.36.16
